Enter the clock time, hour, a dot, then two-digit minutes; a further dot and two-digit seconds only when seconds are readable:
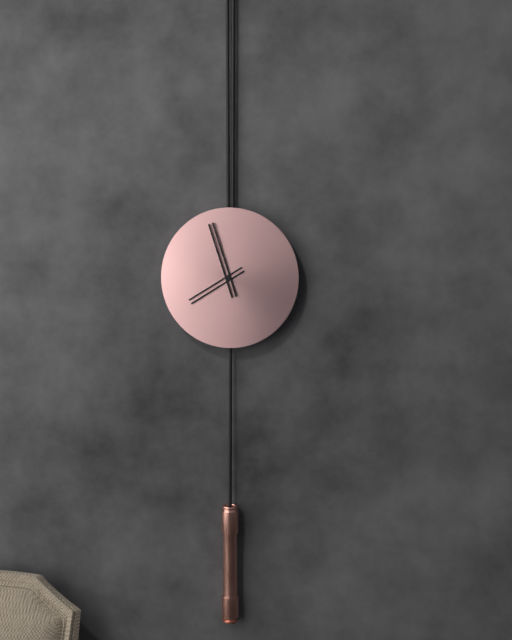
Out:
7.57
